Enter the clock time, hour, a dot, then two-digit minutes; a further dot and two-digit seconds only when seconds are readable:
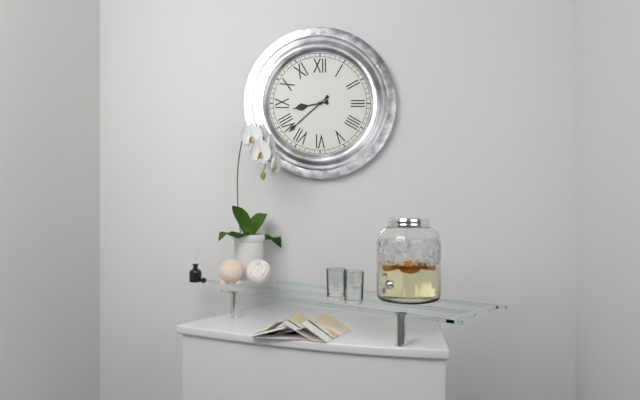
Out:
8.38
